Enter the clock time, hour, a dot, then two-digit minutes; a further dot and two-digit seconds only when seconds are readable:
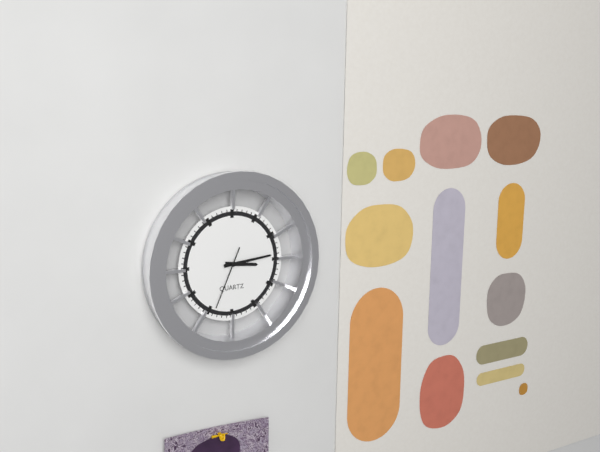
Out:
3.14.34
